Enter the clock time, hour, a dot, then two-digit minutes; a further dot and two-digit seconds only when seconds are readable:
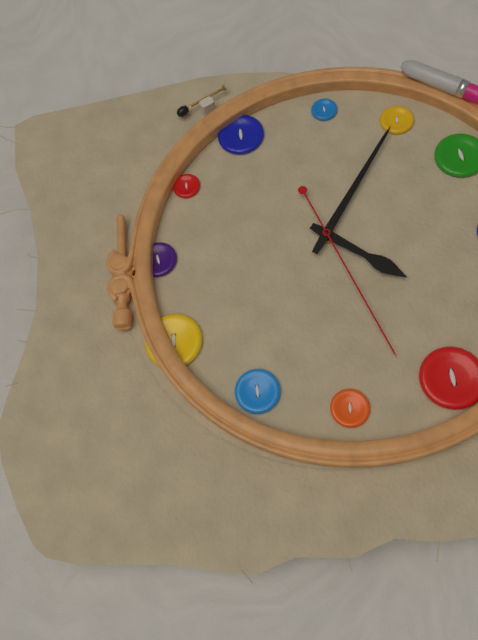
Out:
7.21.42
